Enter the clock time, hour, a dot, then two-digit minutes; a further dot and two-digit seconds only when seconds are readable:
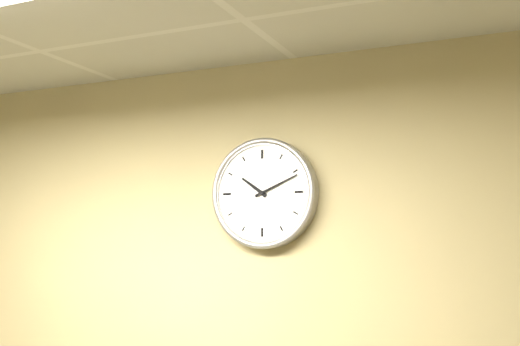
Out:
10.11
